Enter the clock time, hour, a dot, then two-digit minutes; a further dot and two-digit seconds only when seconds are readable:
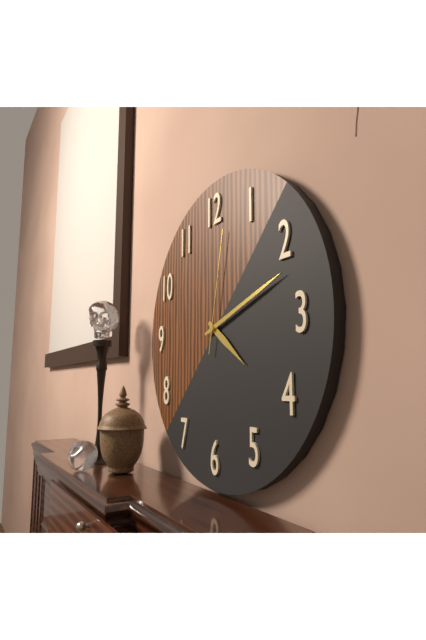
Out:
4.12.02
